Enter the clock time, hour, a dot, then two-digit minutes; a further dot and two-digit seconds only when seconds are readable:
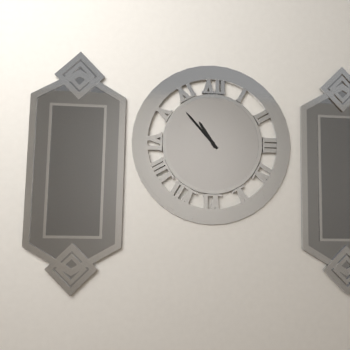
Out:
10.53
